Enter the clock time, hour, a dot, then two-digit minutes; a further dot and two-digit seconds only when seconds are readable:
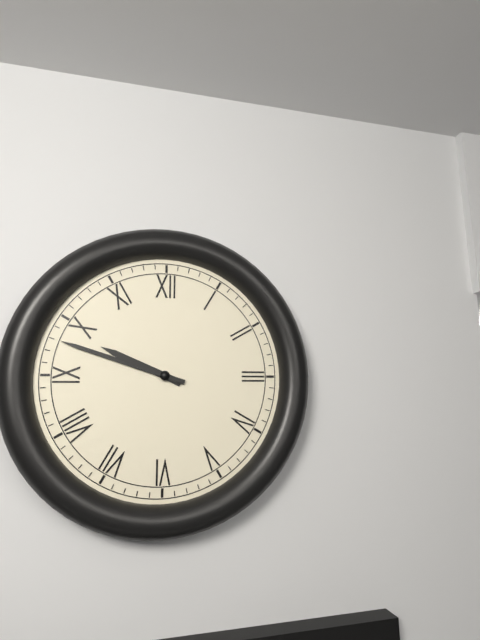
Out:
9.48
